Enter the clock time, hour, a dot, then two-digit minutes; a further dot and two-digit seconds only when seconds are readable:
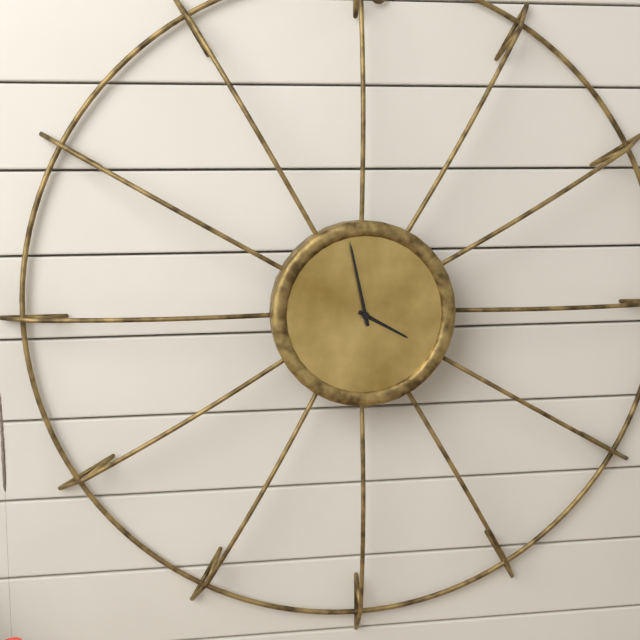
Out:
3.58
